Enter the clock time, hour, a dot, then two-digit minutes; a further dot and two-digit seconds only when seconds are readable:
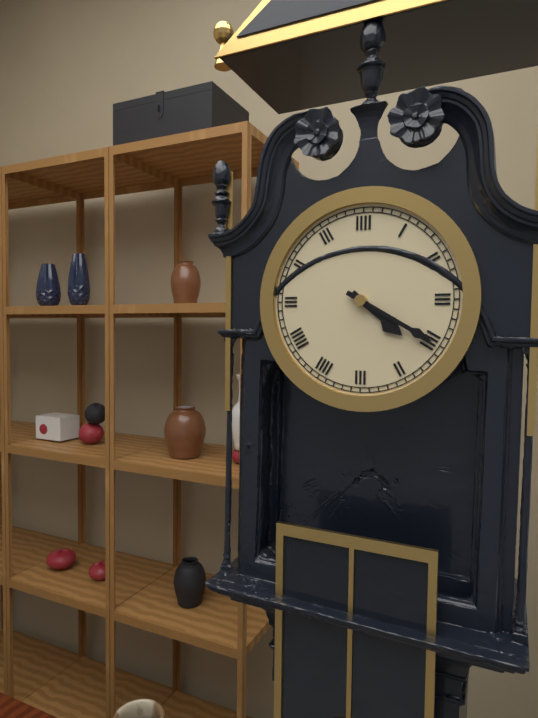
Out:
4.20
